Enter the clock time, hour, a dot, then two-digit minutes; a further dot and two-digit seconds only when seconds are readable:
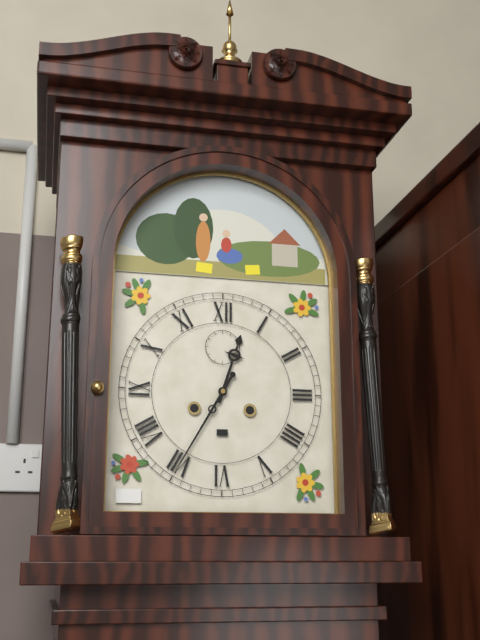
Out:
12.35
